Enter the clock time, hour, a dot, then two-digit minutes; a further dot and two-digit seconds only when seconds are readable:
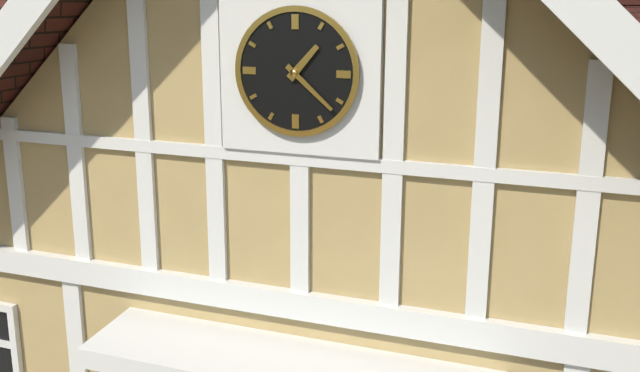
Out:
1.22
